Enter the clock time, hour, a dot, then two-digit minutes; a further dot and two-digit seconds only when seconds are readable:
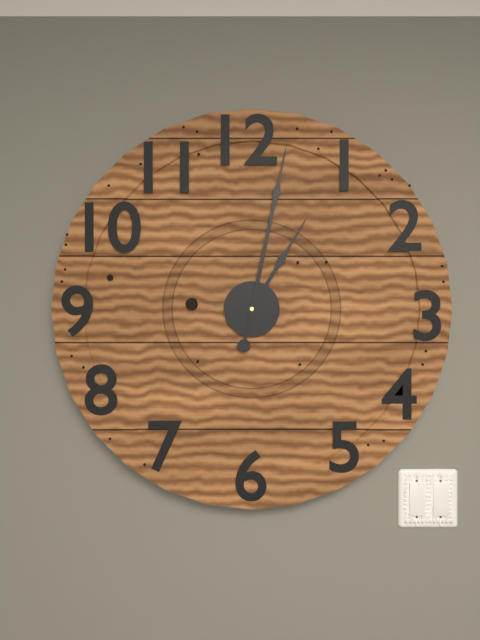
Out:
1.02
